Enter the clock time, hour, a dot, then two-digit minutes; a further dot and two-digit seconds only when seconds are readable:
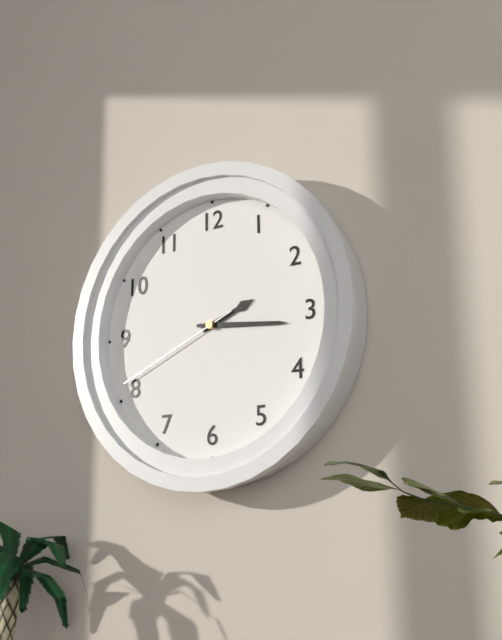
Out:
2.16.41
